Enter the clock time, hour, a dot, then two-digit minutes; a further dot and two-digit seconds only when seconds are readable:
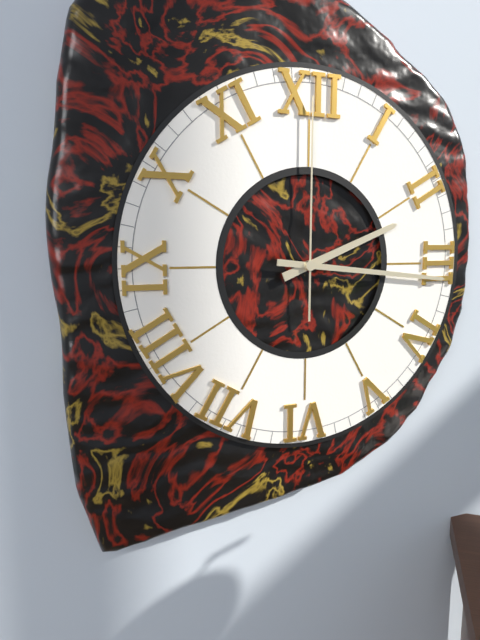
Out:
2.16.00
